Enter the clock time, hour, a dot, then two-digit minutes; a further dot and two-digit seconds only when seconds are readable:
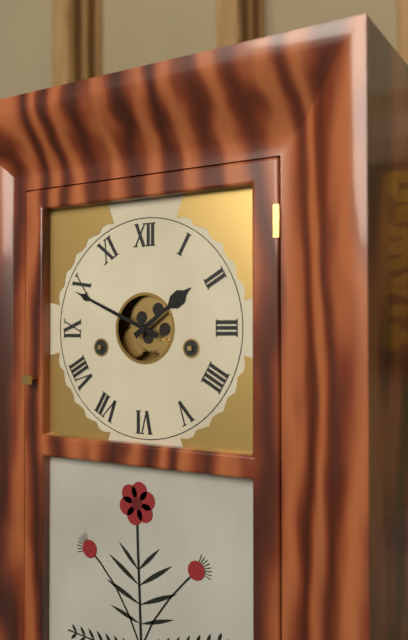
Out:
1.49
